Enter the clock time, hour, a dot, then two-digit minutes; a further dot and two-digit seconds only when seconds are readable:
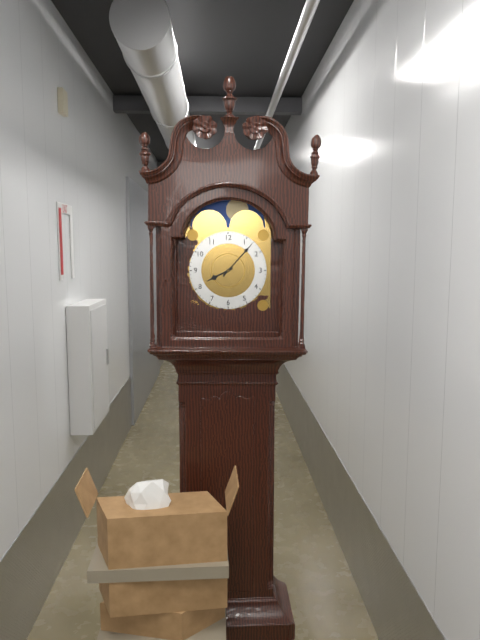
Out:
8.07
